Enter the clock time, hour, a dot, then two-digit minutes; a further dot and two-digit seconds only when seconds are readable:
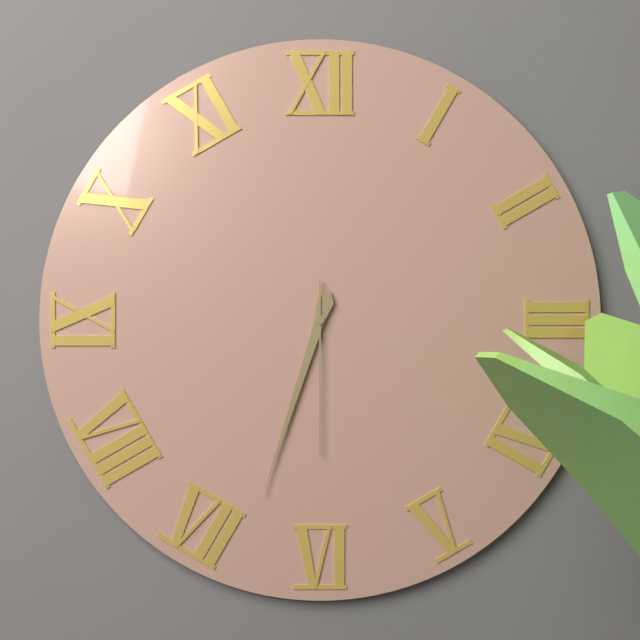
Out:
6.33.30
